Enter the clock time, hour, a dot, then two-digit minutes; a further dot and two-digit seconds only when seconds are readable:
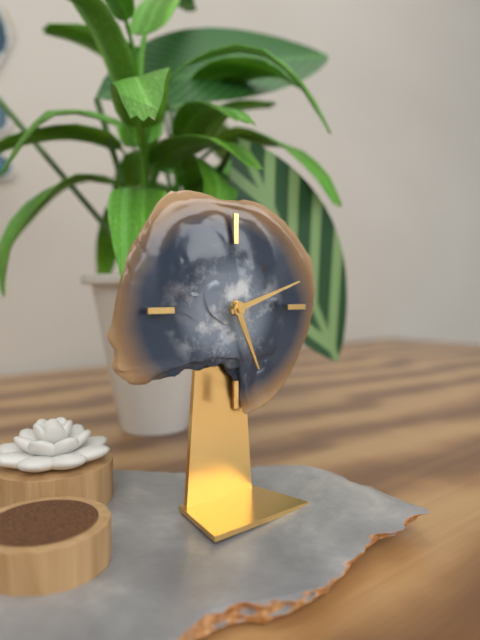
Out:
5.12
